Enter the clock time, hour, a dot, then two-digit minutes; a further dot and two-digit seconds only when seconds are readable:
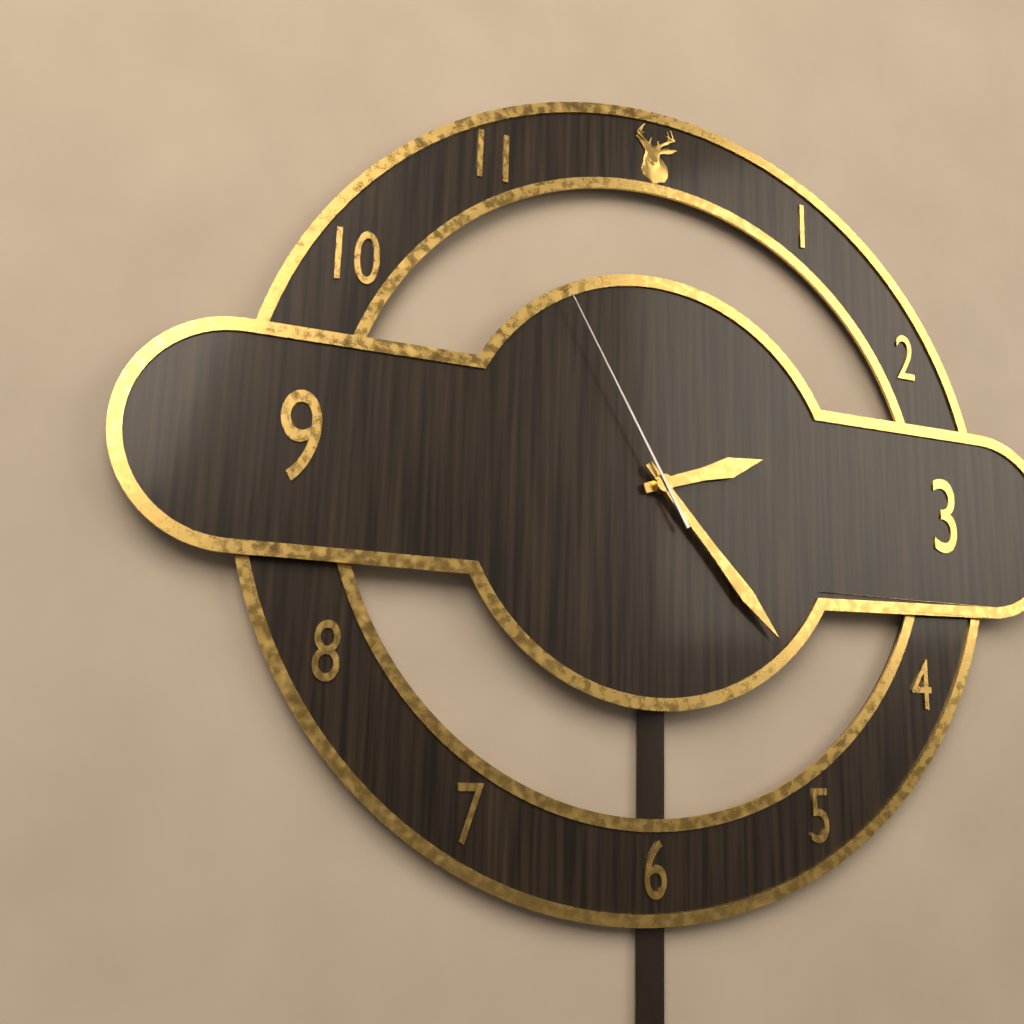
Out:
2.23.55
